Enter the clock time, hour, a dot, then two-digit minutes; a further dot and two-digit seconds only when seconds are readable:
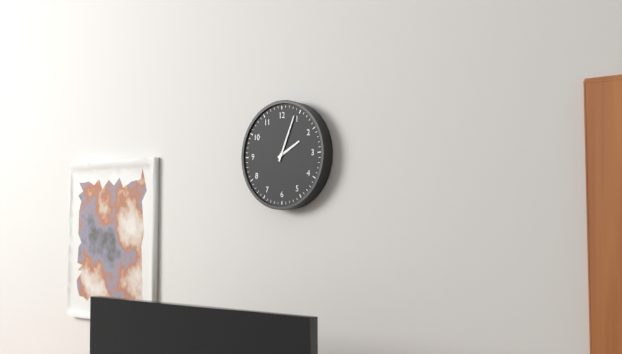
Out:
2.04
